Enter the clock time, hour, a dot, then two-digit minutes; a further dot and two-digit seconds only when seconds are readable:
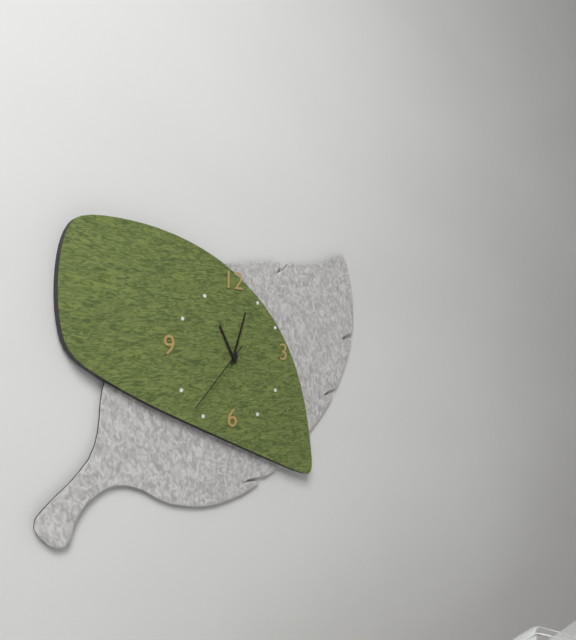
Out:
11.03.37
